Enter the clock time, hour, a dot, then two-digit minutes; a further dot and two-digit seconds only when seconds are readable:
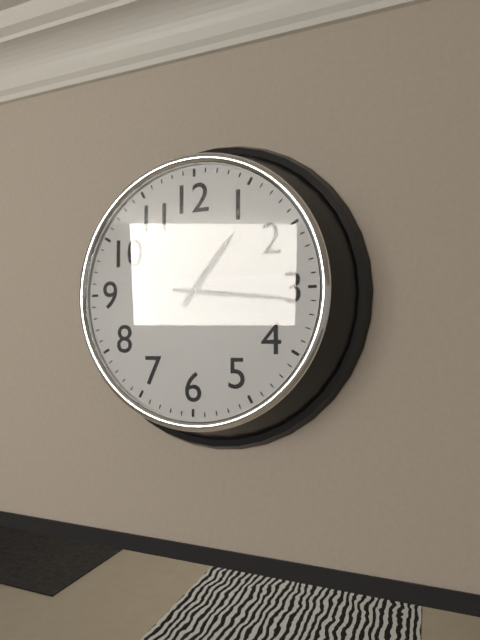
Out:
1.16
